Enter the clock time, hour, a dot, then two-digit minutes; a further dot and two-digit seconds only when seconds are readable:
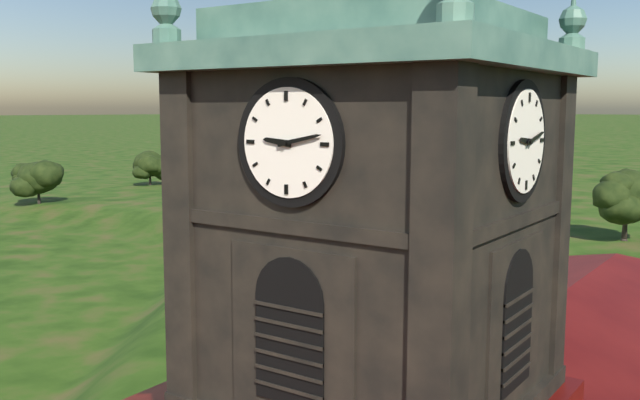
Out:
9.13
